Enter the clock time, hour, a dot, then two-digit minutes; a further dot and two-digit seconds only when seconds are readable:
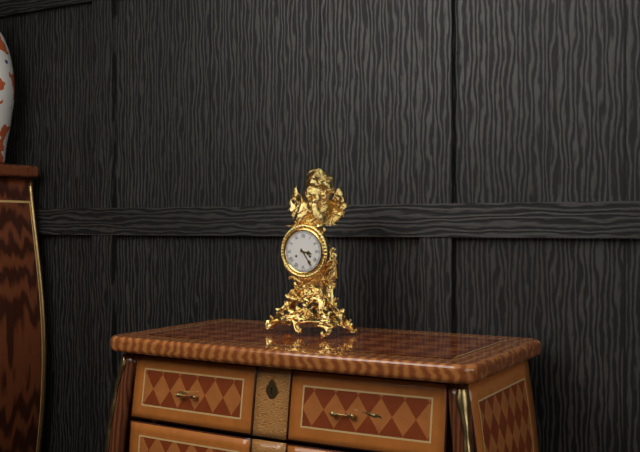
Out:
3.24
